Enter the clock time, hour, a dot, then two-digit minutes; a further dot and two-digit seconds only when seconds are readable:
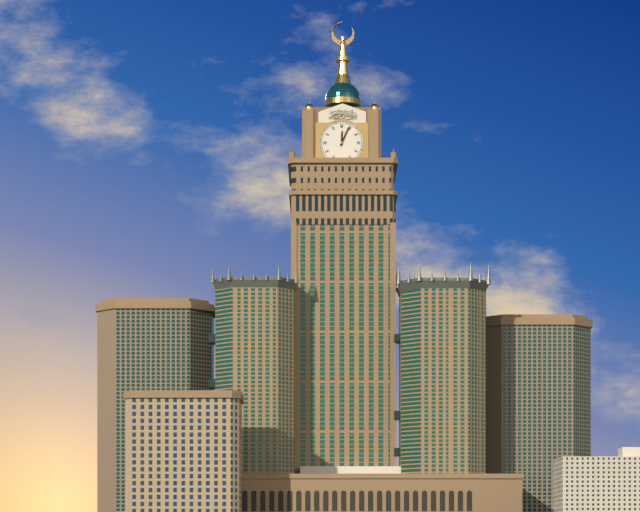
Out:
12.04
